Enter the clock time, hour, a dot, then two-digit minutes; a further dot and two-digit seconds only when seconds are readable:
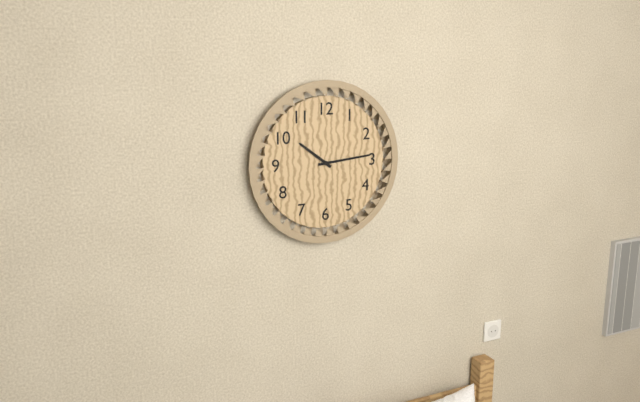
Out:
10.14
